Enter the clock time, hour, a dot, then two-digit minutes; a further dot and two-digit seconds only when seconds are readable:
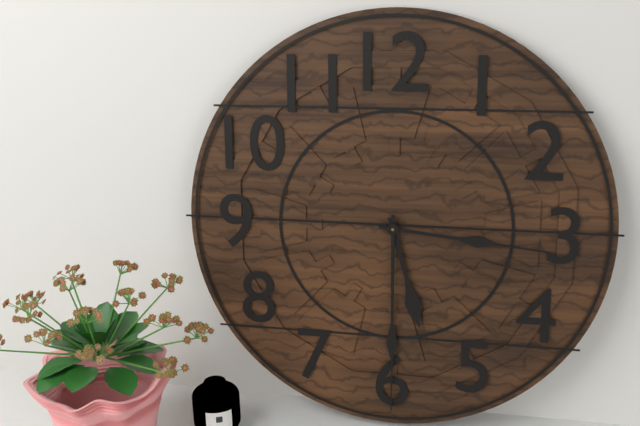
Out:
5.30.16
